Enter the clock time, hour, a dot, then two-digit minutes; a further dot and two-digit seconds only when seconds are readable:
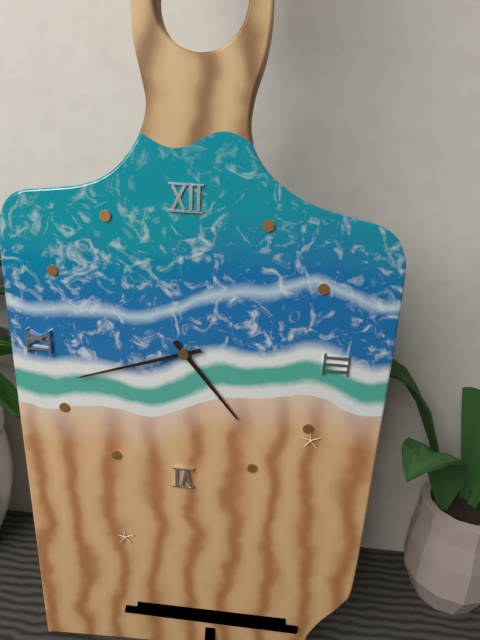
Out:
4.42
